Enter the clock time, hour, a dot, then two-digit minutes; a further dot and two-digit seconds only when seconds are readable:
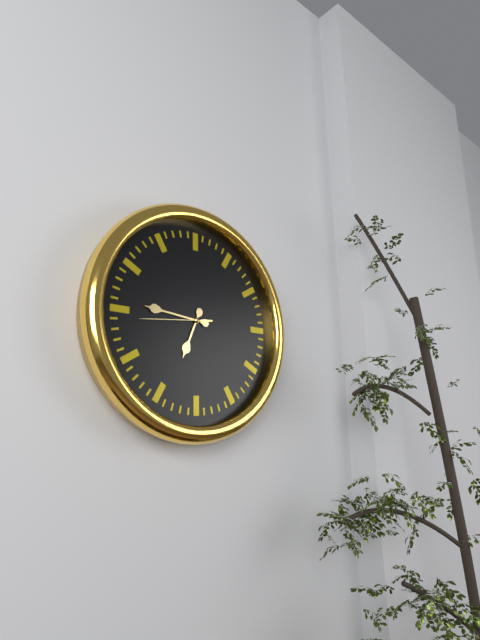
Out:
6.46.44
